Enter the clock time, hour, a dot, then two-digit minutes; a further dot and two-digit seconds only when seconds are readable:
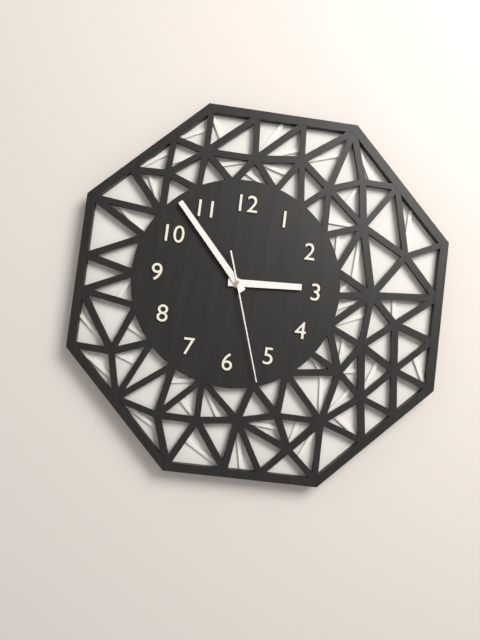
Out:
2.53.27
